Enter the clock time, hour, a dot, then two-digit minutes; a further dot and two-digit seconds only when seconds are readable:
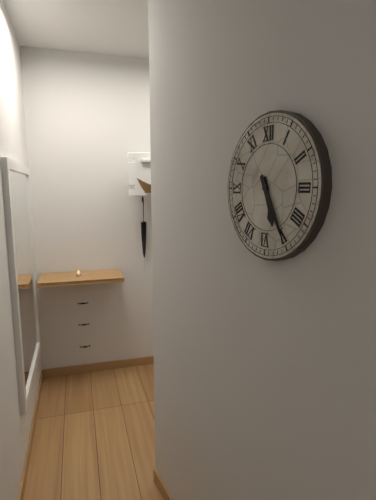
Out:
5.25
